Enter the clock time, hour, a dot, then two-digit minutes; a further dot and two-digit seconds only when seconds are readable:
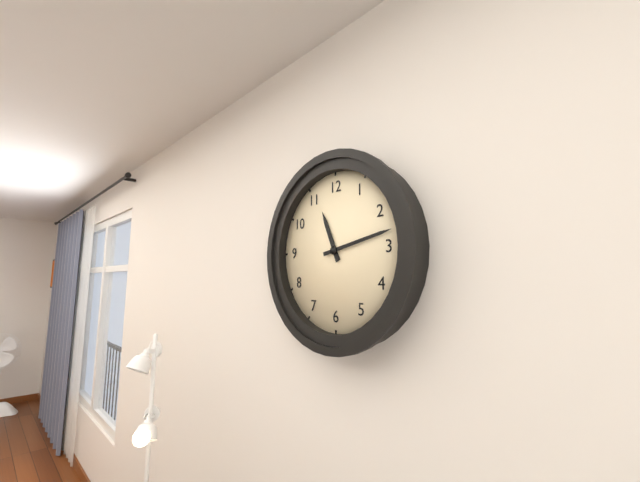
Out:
11.13
